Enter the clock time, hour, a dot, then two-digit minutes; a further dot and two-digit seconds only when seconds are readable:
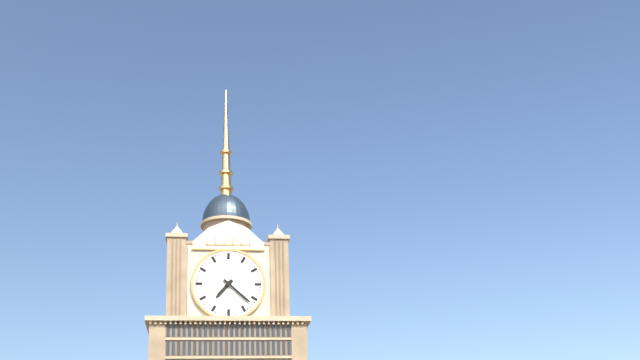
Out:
7.22
